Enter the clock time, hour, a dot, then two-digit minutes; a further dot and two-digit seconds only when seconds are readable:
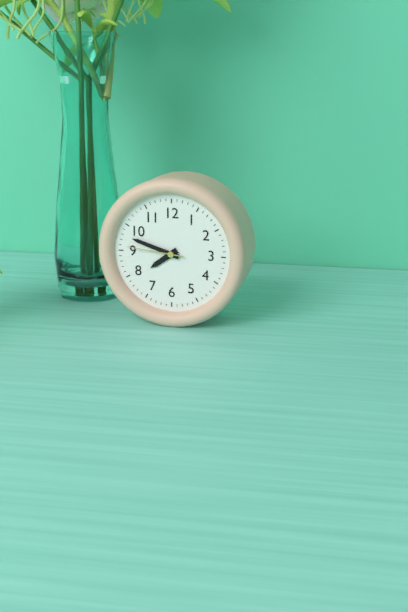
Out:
7.48.46
